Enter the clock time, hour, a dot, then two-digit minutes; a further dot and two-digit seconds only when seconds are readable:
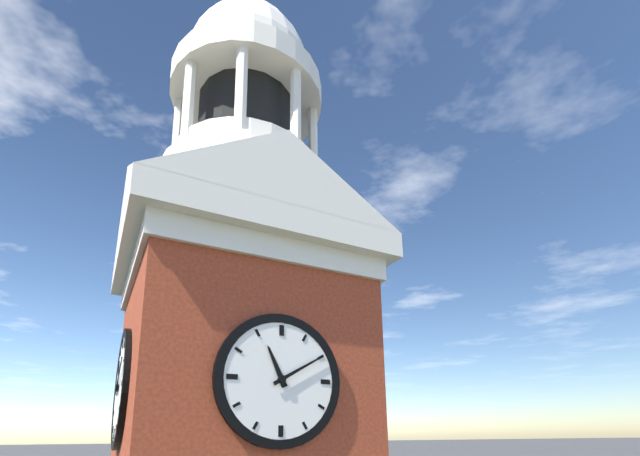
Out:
11.10
